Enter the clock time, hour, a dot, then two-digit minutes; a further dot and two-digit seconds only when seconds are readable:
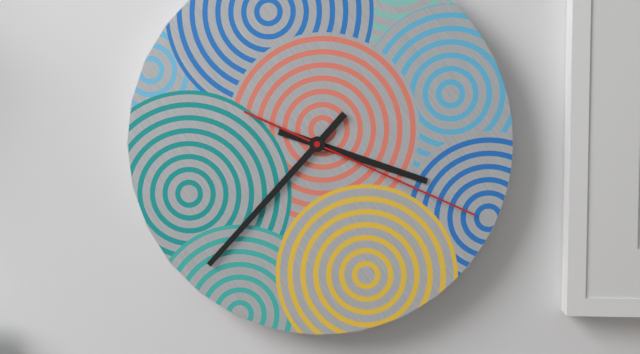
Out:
3.37.19
